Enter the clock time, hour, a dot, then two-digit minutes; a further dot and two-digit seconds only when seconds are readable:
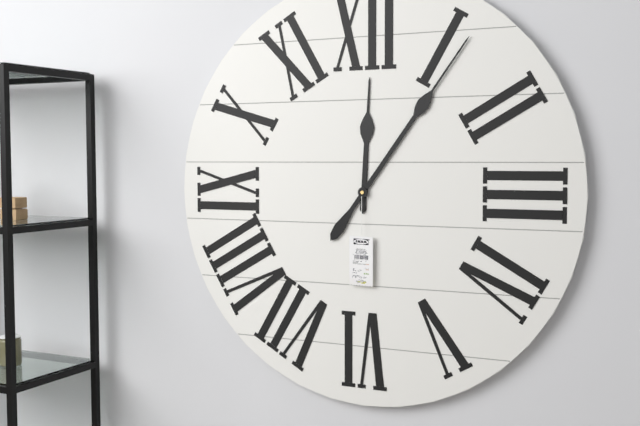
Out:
12.06
